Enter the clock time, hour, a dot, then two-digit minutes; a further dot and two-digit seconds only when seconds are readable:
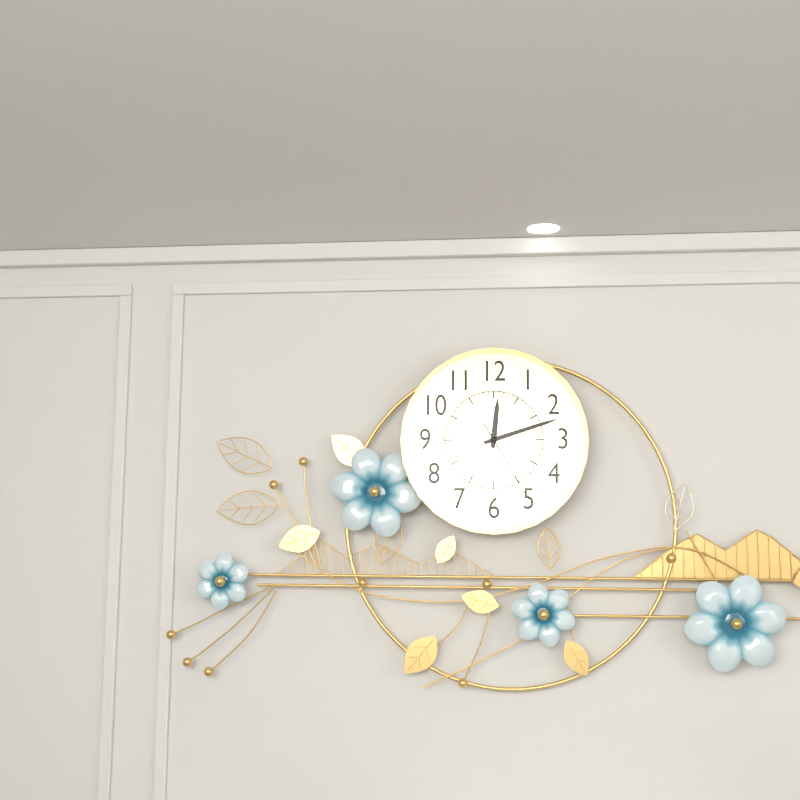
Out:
12.12.25
